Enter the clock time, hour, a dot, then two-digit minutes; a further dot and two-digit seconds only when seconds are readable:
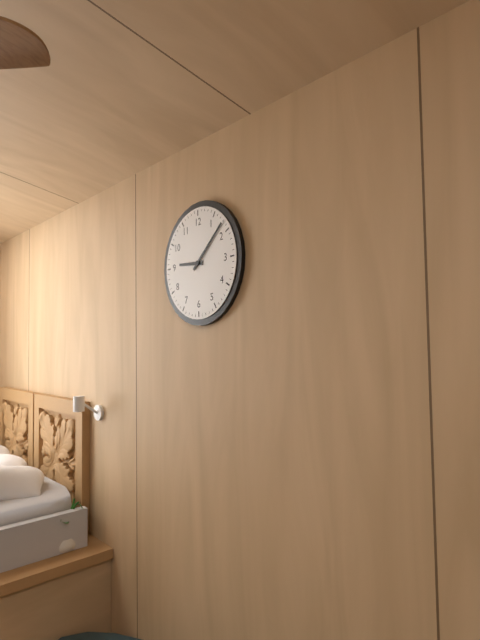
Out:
9.08
